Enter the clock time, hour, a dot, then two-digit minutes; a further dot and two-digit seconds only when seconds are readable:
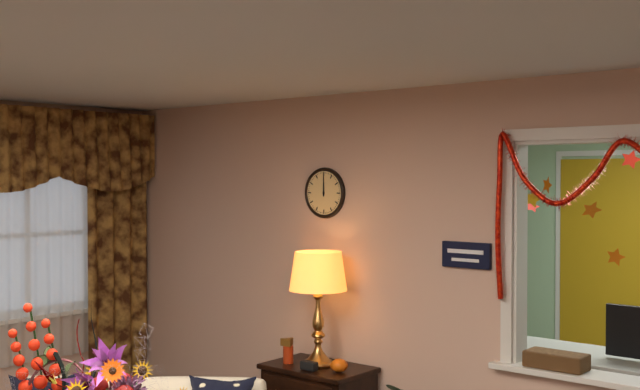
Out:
12.00
